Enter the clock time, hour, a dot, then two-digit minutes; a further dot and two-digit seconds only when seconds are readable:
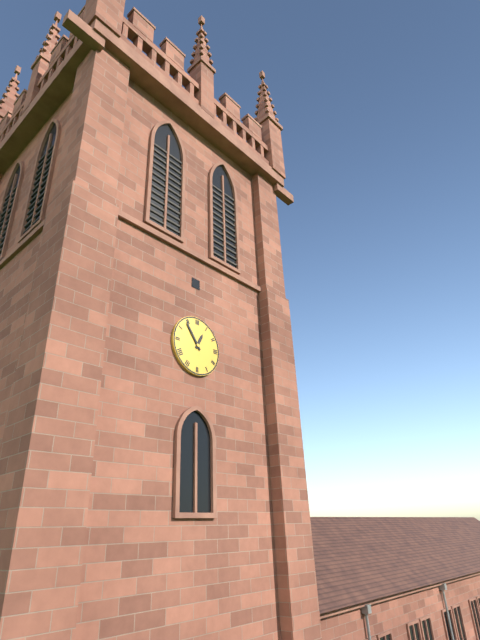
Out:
12.54
